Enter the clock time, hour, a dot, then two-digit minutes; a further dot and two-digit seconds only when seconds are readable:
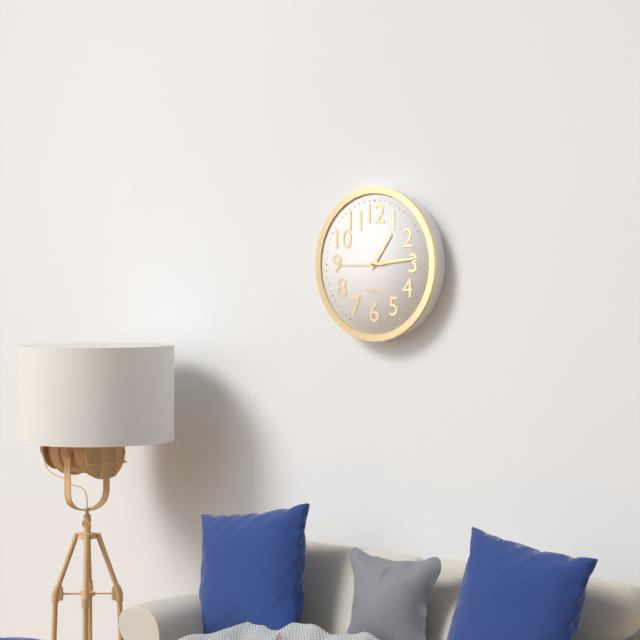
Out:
1.14
